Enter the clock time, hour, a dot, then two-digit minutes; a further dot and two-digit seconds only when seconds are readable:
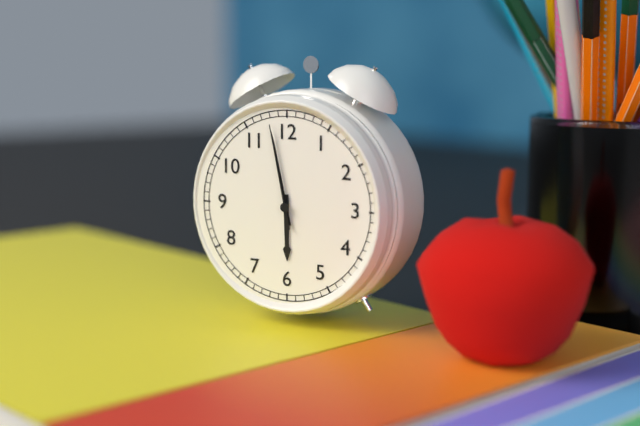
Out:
5.58.58
